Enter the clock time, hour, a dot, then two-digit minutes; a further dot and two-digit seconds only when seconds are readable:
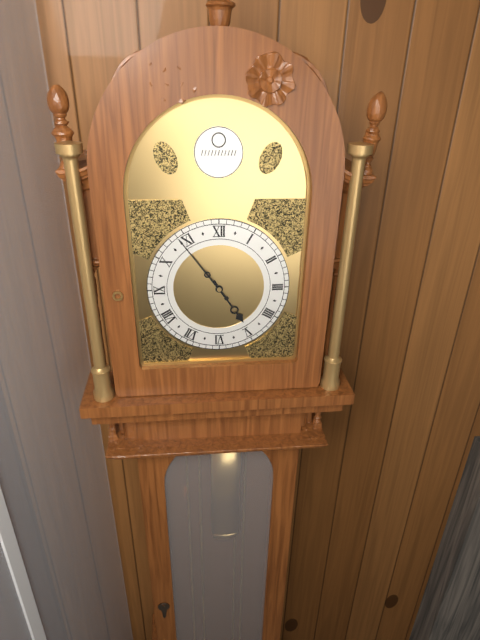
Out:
4.54
